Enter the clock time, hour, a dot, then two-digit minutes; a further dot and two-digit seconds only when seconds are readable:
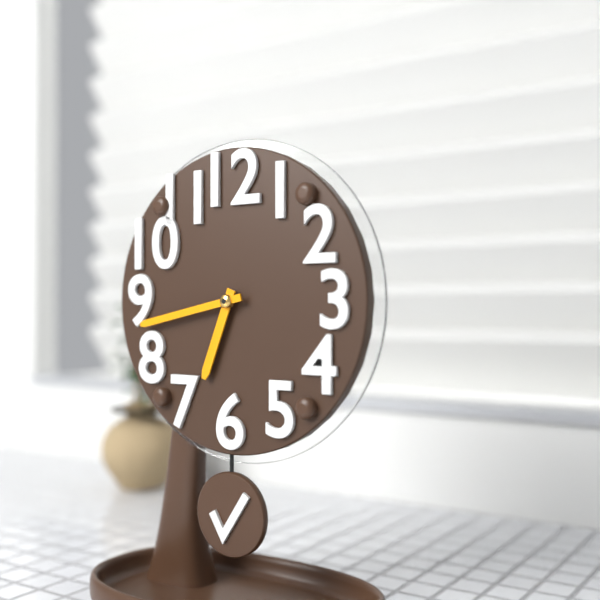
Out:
6.43
